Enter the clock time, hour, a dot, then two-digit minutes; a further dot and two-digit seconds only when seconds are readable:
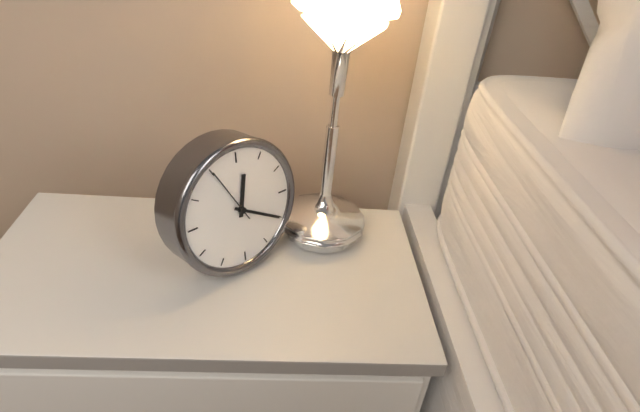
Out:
12.20.55
